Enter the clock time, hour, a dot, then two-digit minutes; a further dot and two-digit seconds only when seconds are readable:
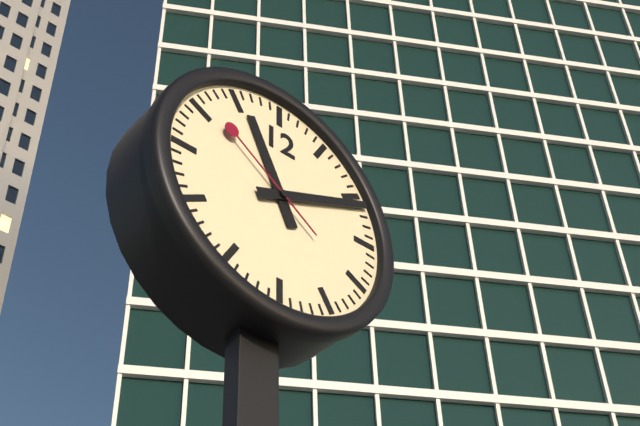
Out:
11.11.51
